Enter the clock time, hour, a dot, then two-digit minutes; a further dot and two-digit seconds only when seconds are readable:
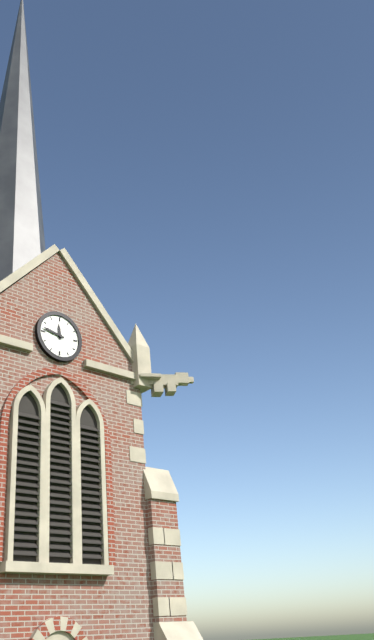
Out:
11.47
